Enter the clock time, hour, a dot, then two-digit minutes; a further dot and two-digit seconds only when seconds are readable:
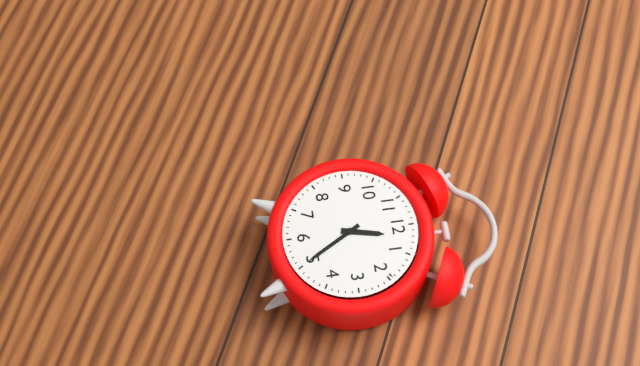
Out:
12.25
